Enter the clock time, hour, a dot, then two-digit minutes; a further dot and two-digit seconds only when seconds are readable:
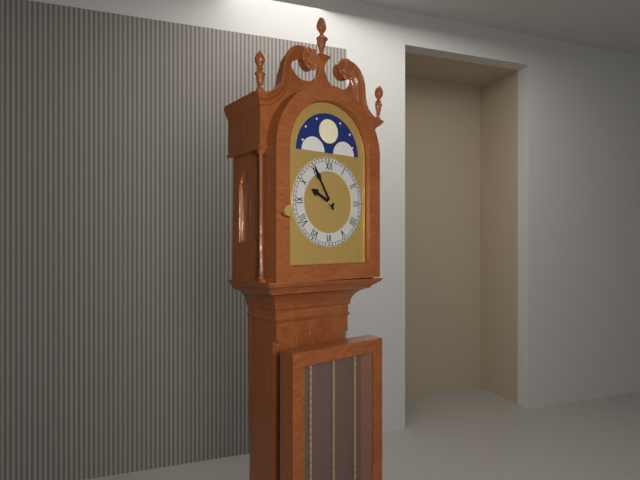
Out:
9.55
